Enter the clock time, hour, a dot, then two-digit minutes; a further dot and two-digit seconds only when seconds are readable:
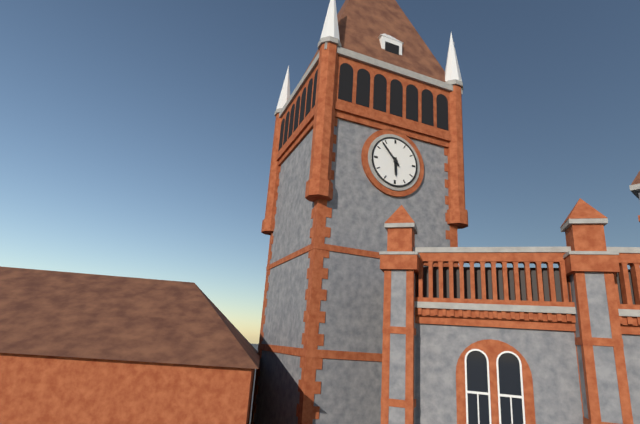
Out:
5.53
